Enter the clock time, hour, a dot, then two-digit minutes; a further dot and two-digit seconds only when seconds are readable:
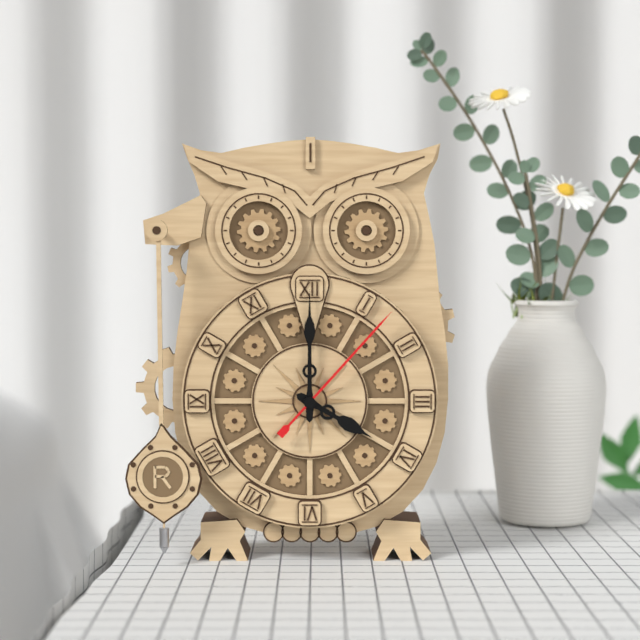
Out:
4.00.07
